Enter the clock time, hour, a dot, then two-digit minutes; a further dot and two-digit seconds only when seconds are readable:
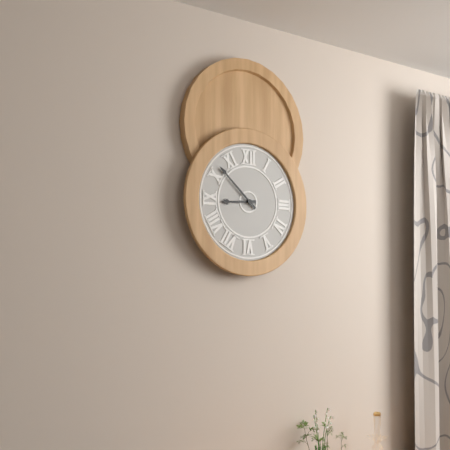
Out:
8.52
